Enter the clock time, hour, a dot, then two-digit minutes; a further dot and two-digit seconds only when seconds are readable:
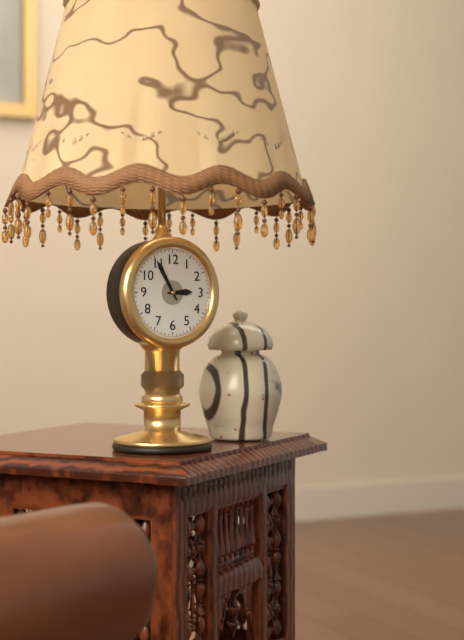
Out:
2.55
